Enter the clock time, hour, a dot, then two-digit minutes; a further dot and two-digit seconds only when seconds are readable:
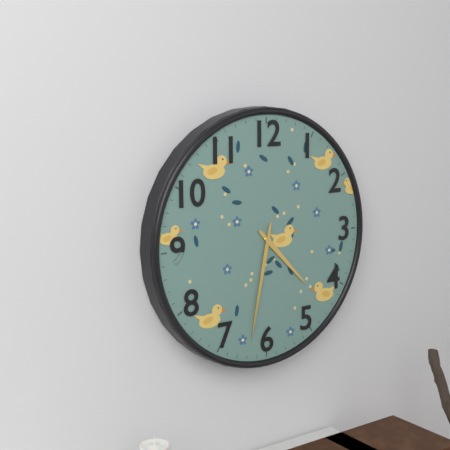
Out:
4.32
